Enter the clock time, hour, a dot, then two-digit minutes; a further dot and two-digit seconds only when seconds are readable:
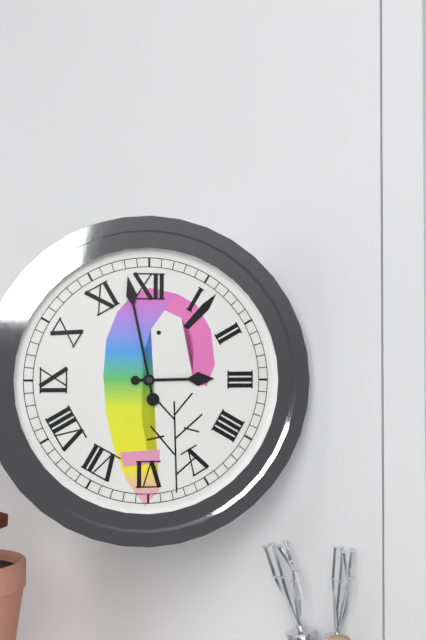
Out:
2.58
